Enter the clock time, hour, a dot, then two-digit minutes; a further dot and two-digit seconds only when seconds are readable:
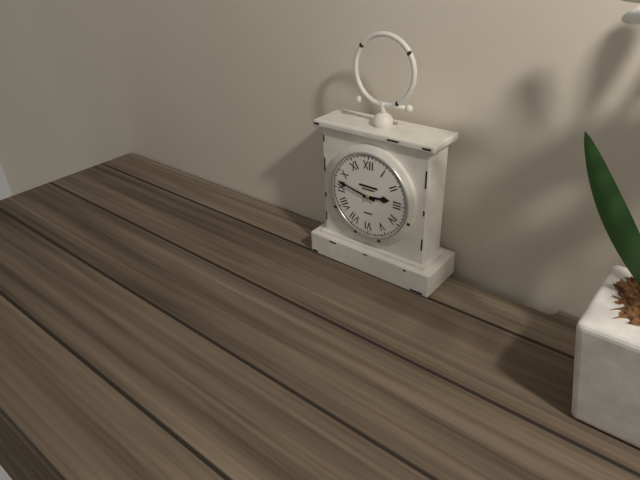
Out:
2.47
